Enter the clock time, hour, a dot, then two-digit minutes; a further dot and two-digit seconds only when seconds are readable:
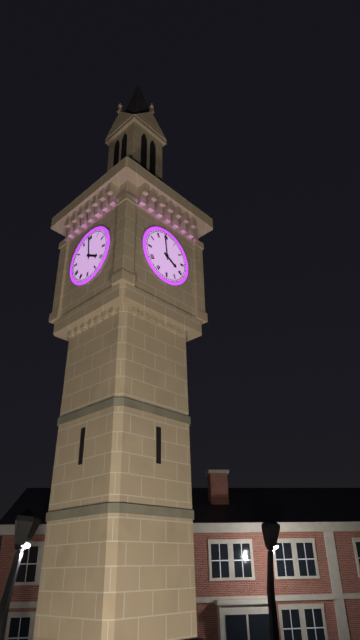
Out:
3.59
